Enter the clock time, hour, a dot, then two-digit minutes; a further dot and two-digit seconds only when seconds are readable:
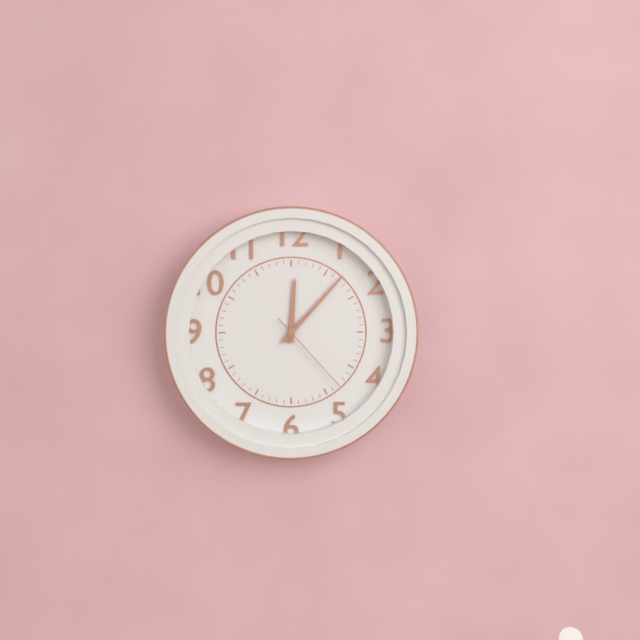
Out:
12.07.23
